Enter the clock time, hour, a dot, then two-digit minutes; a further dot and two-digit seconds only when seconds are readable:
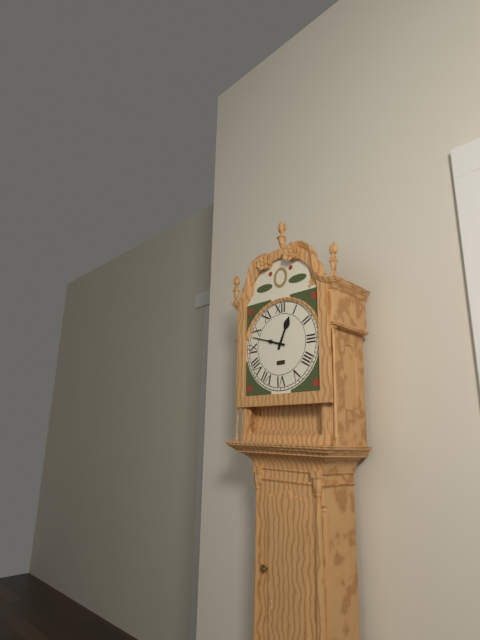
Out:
12.48
